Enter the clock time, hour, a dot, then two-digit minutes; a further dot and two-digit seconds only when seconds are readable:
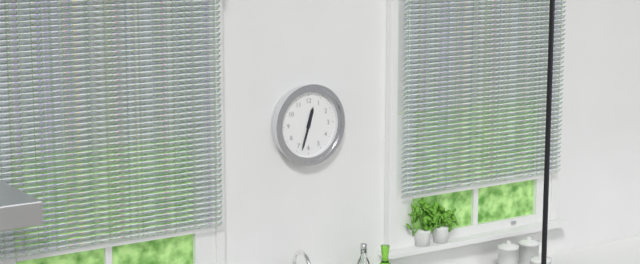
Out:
12.33
